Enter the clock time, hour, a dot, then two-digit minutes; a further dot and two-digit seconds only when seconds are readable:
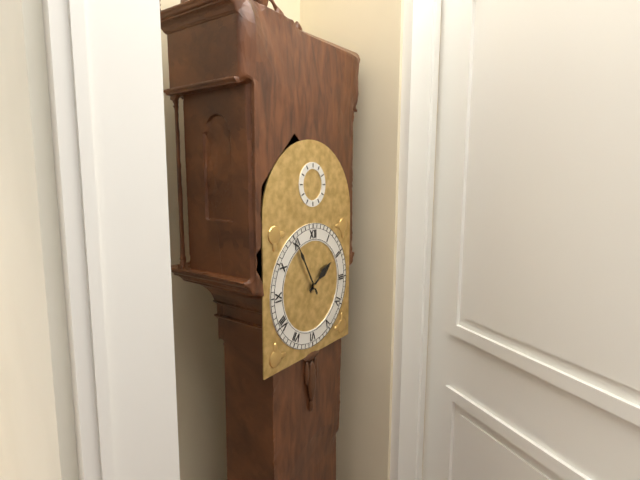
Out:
1.55
